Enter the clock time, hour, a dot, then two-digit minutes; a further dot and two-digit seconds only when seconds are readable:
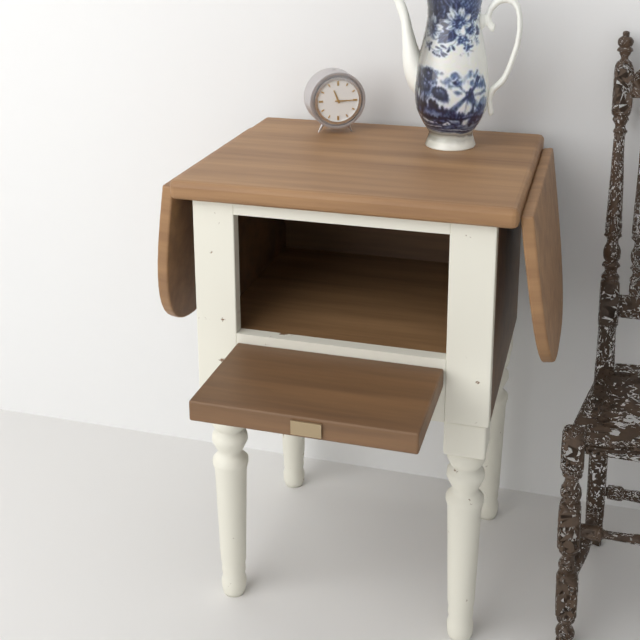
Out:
11.15
